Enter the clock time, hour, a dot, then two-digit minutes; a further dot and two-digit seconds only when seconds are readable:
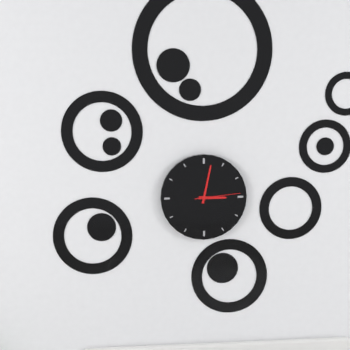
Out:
3.02
